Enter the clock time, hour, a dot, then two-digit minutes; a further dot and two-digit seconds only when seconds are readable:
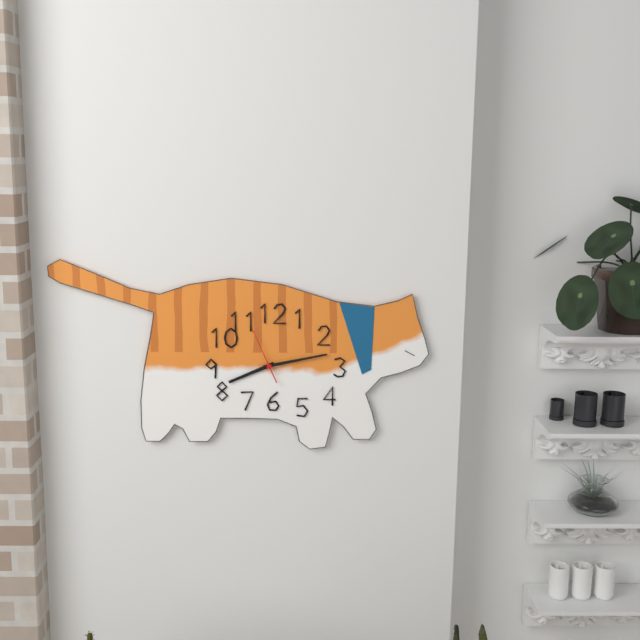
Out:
8.13.56
